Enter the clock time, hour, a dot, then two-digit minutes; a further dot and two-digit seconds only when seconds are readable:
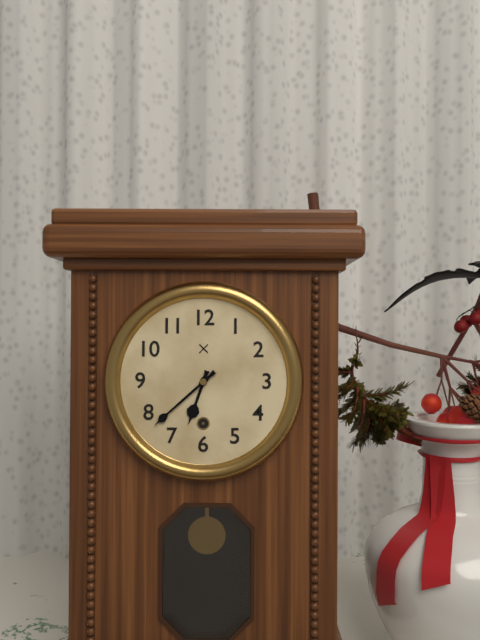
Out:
6.38
